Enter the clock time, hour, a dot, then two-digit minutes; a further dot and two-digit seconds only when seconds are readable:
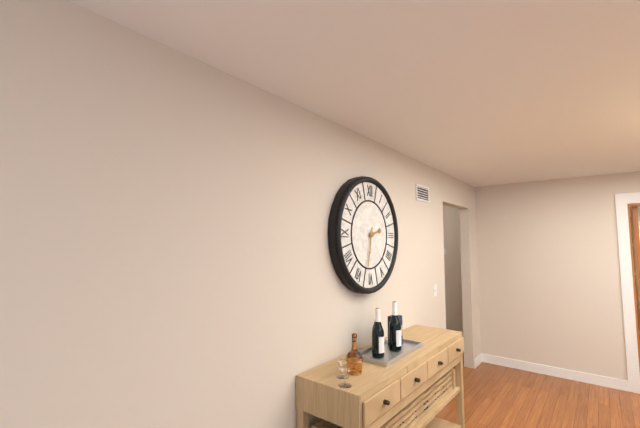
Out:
2.32
